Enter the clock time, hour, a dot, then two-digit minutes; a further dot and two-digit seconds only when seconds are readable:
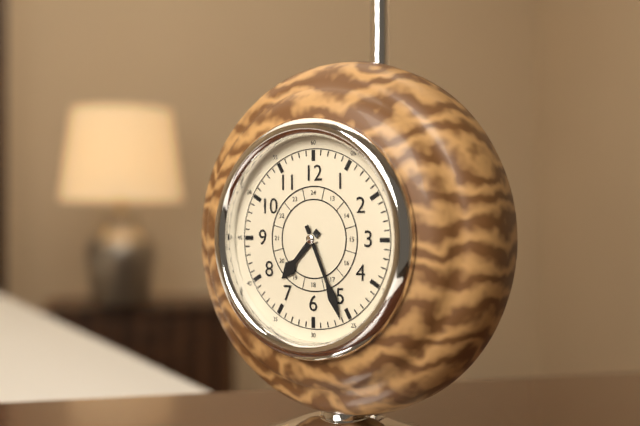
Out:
7.26
